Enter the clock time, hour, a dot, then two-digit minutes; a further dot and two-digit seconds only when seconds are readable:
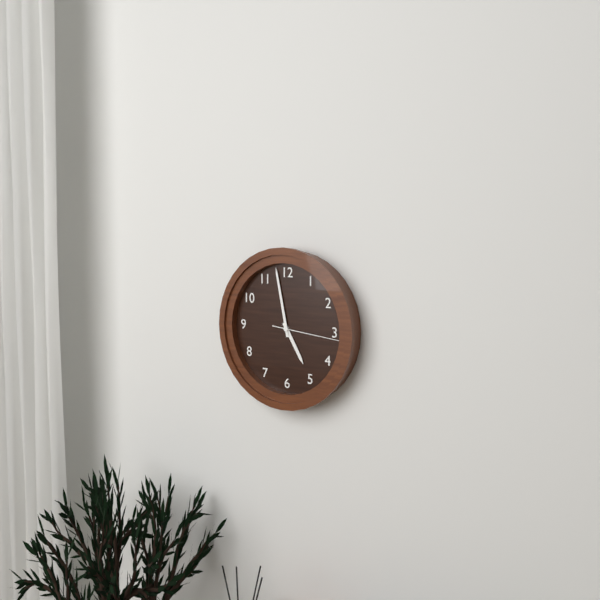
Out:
4.58.16
